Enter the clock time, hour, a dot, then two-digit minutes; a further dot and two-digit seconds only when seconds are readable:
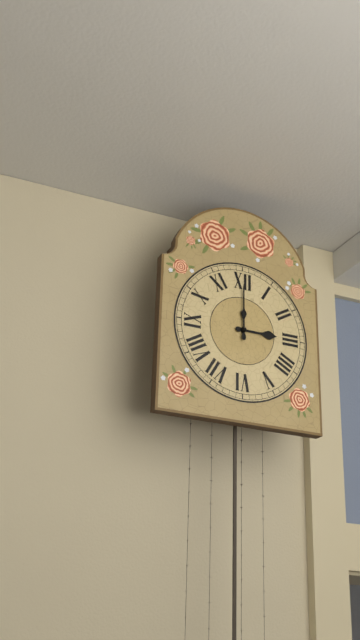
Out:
3.00
